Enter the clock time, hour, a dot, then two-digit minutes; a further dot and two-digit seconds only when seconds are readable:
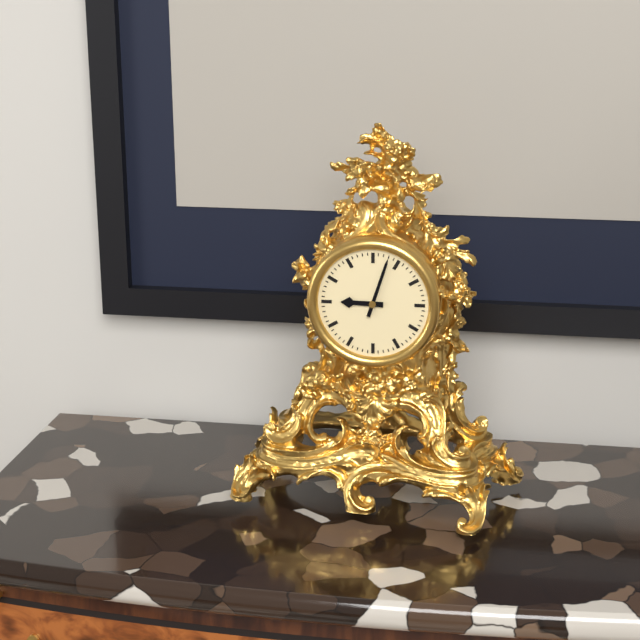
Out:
9.03
